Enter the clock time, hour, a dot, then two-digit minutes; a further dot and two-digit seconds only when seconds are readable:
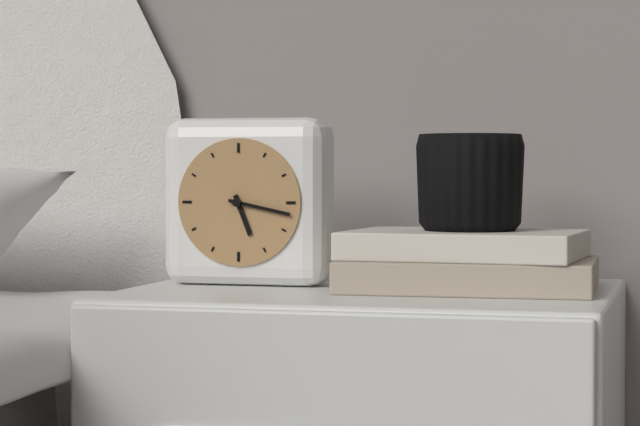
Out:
5.17
